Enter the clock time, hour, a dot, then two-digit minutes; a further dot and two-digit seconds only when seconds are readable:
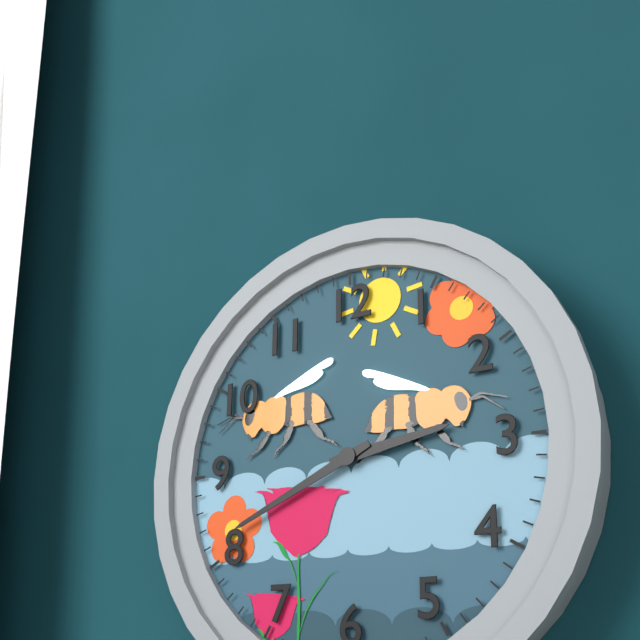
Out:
2.41
